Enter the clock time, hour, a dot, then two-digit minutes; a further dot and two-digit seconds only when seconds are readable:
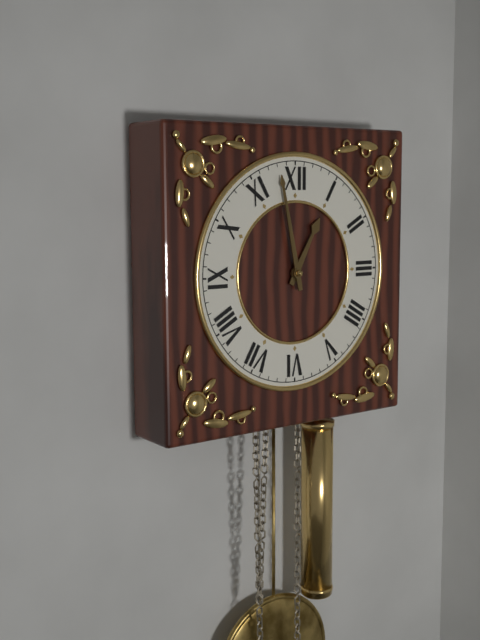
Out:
12.58
